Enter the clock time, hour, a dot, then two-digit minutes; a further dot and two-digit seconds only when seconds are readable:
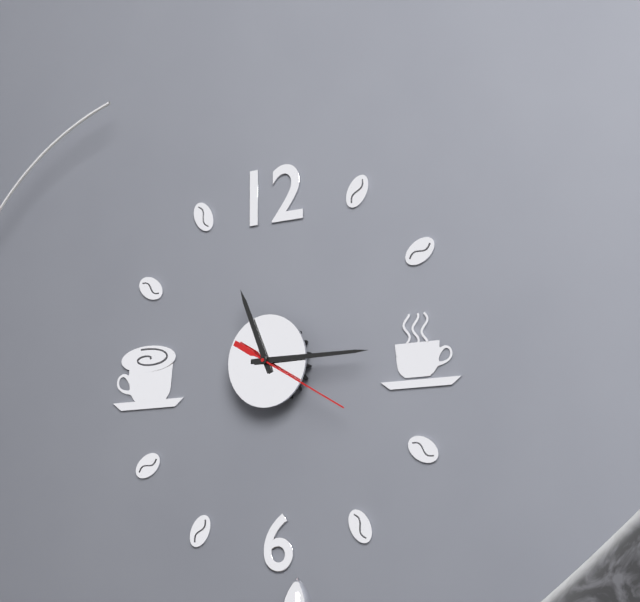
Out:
11.15.20
